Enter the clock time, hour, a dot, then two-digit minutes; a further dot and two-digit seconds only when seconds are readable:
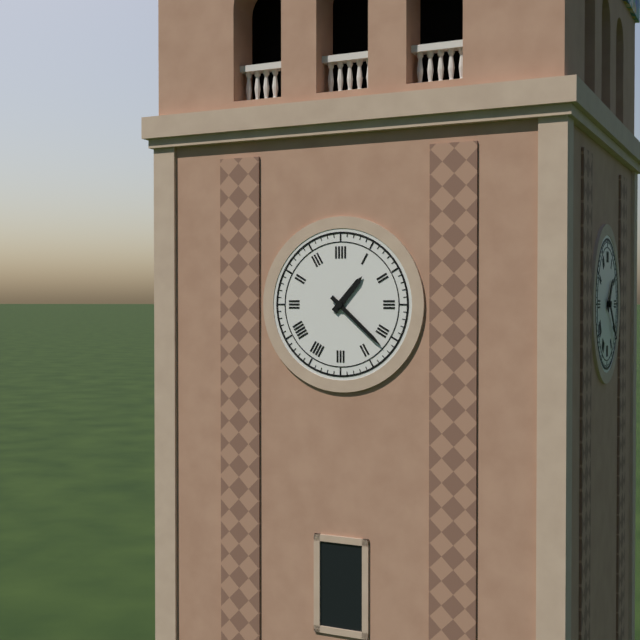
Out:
1.22
